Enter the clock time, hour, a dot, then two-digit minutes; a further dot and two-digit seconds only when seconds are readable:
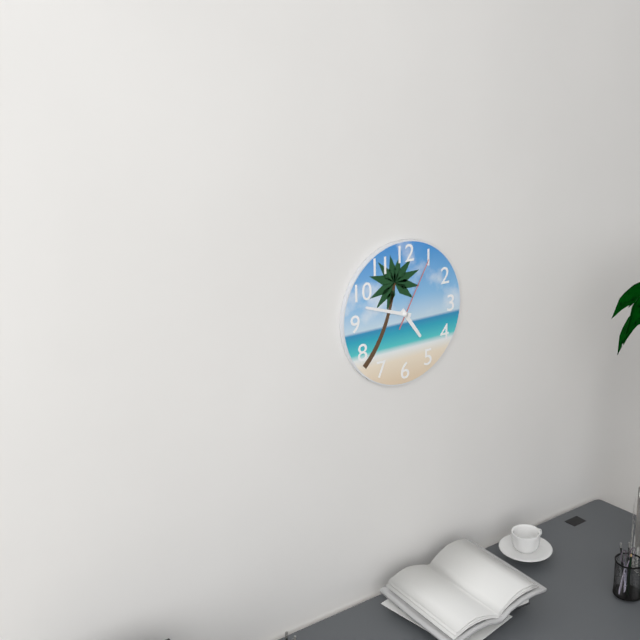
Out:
4.48.05
